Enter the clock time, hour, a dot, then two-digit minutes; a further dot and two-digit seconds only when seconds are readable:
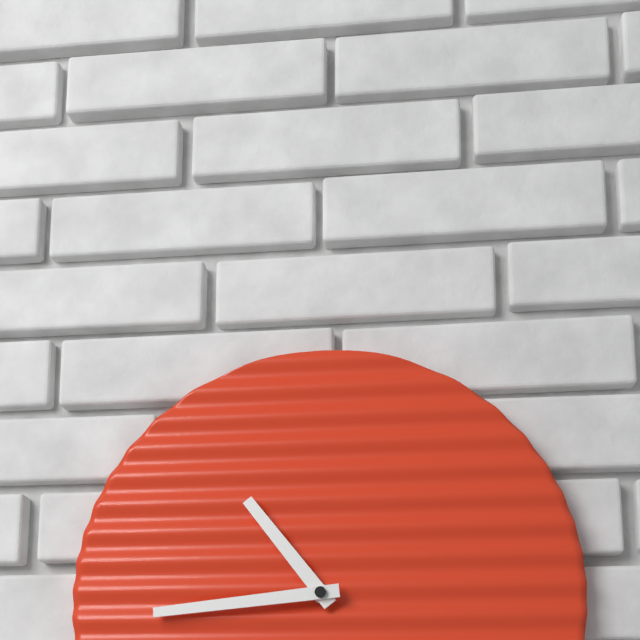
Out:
10.44
